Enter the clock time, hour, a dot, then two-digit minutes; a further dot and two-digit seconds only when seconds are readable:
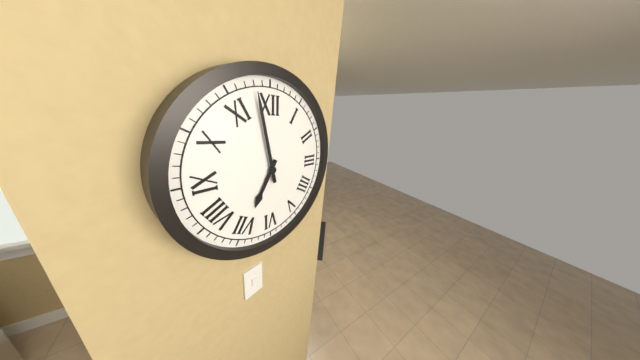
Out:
6.58
